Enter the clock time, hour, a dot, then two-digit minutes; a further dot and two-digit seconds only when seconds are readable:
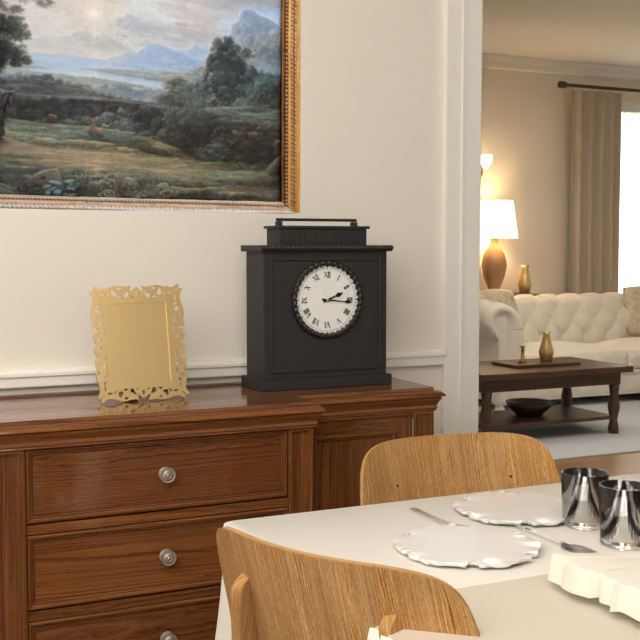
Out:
2.16
